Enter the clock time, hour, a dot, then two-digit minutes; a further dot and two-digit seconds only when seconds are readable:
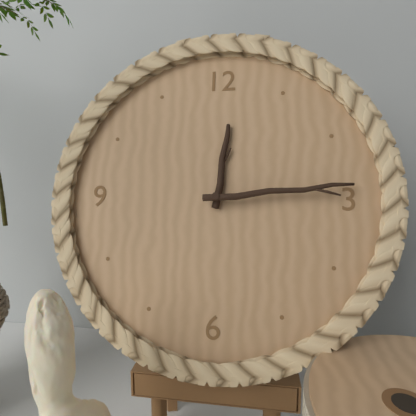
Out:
12.14
